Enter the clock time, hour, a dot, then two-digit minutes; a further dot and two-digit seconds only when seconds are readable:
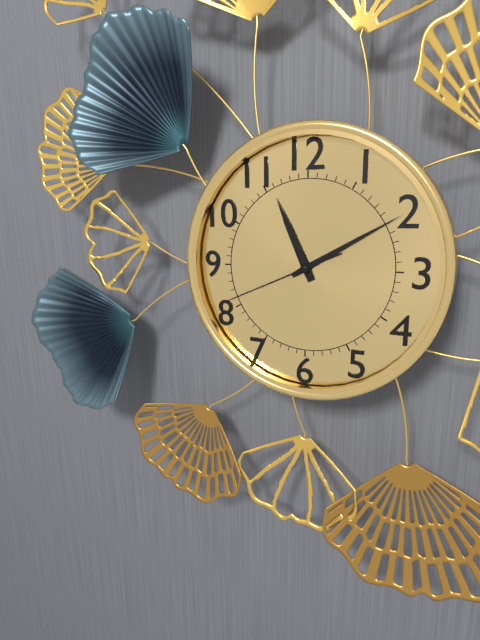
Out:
11.10.41
